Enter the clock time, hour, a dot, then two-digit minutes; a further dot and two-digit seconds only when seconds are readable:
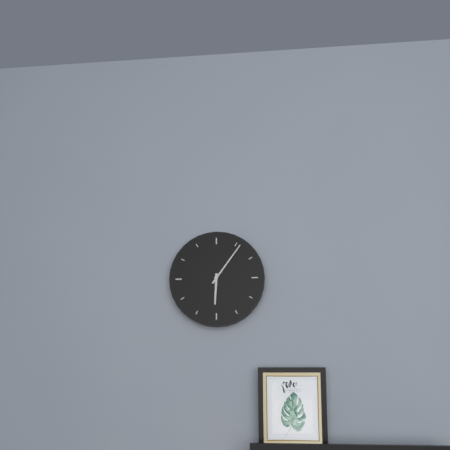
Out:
6.06
